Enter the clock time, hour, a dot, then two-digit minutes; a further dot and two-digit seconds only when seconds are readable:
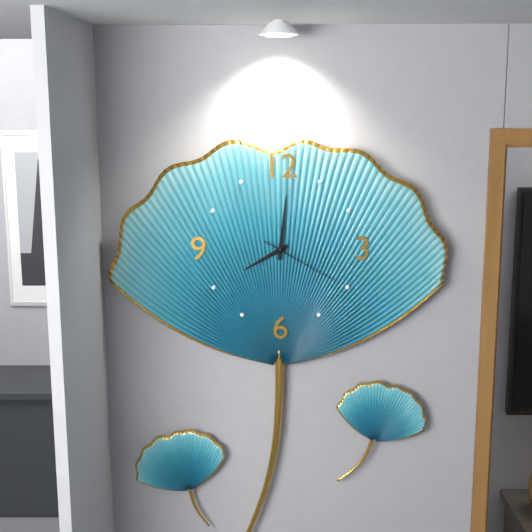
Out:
8.01.20
